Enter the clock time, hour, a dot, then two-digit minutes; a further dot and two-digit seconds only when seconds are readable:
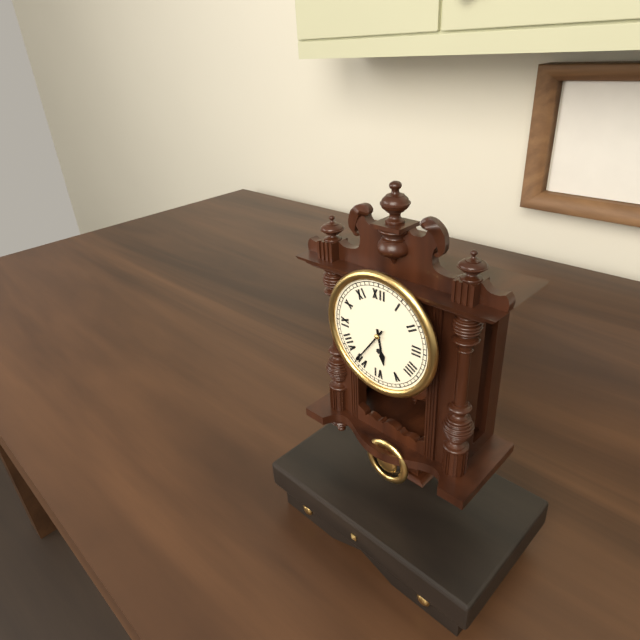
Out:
5.36
